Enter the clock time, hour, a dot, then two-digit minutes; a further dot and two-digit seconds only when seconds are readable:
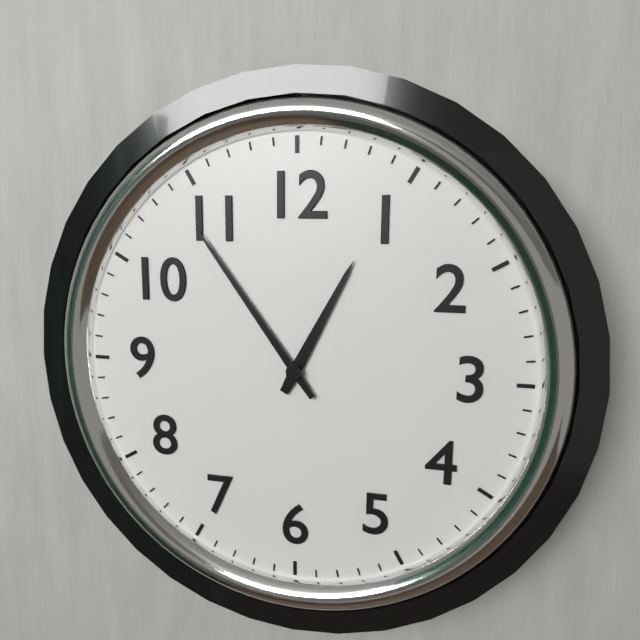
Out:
12.54
